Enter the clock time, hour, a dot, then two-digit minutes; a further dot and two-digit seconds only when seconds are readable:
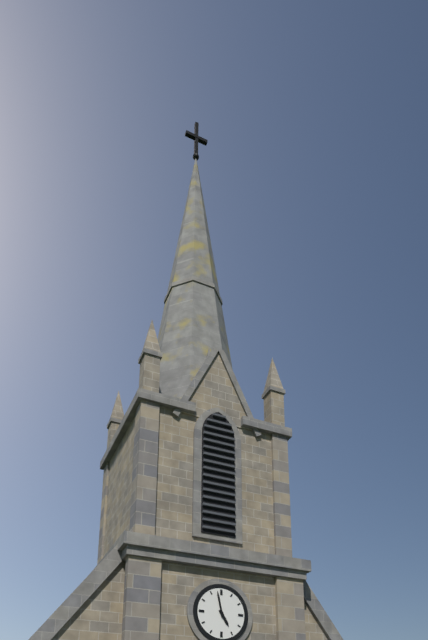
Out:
4.58
